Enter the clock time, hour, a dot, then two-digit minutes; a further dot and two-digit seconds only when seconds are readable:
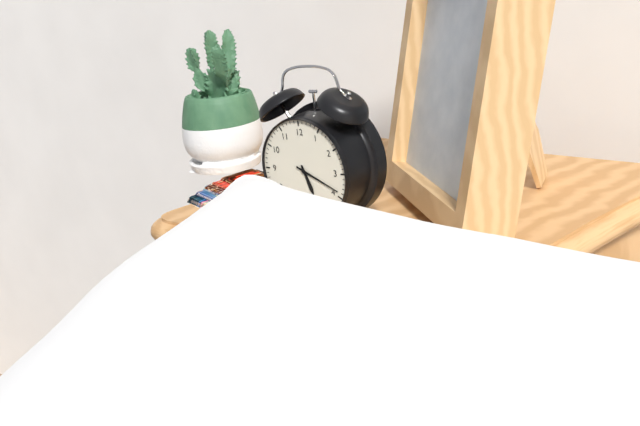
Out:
5.19
